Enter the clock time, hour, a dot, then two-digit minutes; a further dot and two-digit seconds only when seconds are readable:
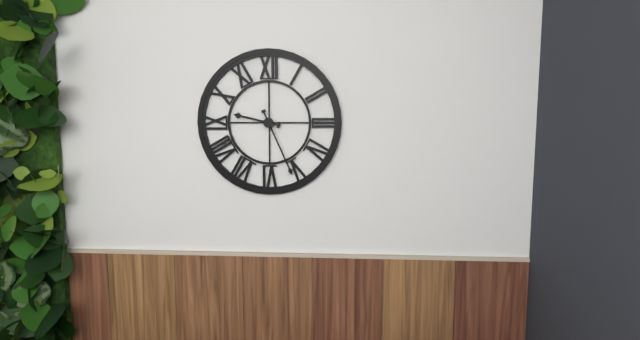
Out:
9.26
